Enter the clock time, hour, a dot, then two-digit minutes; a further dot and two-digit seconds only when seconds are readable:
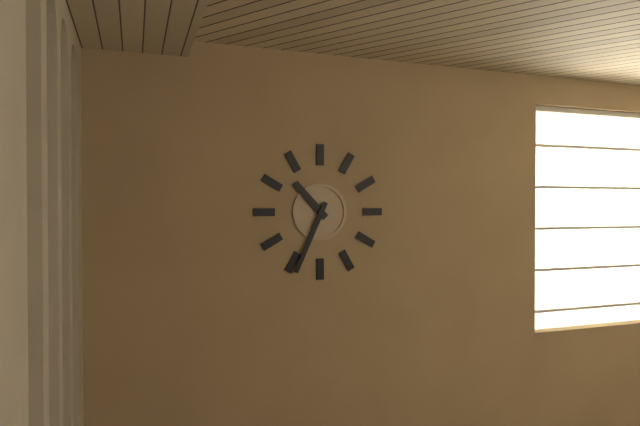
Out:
10.34
